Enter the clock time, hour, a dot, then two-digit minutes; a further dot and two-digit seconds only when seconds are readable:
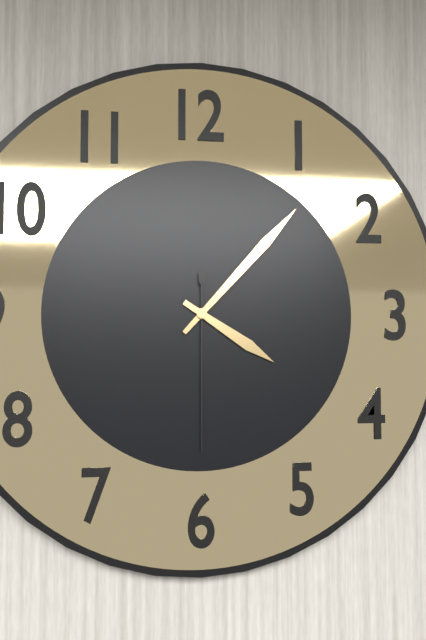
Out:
4.07.30
